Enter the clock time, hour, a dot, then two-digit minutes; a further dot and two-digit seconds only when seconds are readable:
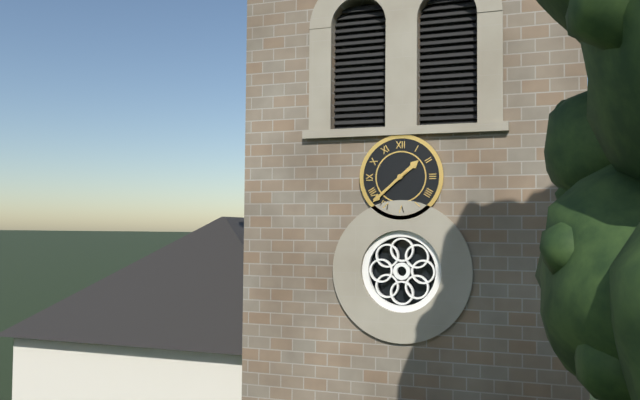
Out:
1.38
